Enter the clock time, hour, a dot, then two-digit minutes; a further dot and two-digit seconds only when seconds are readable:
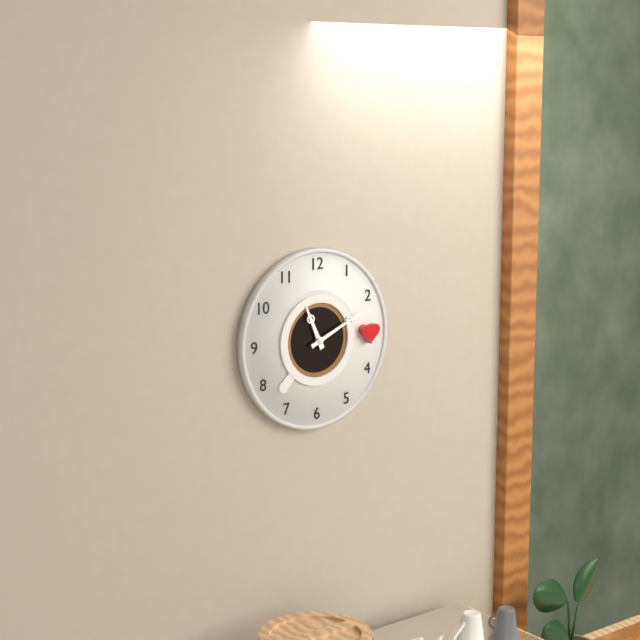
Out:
11.11
